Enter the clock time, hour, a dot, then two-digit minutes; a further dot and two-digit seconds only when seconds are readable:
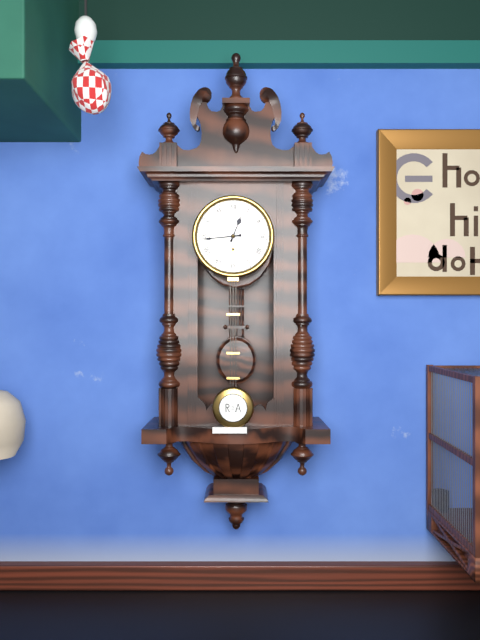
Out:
12.44
